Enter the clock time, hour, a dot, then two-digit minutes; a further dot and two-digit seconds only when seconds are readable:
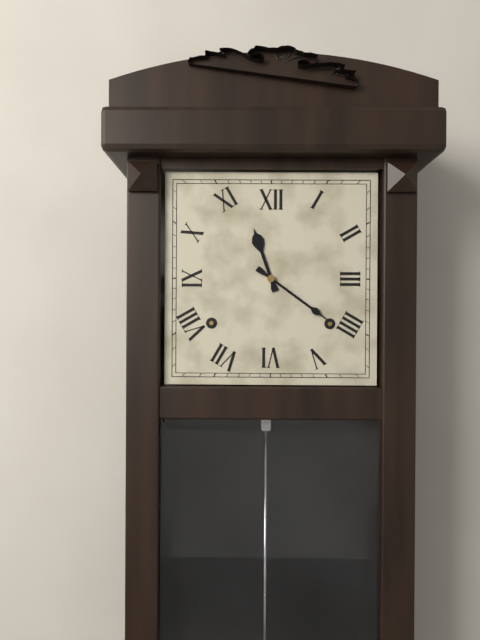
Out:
11.21
